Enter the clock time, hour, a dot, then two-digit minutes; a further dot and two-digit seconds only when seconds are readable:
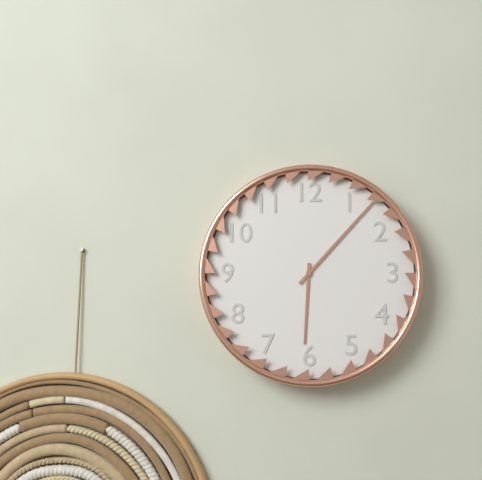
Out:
6.07
